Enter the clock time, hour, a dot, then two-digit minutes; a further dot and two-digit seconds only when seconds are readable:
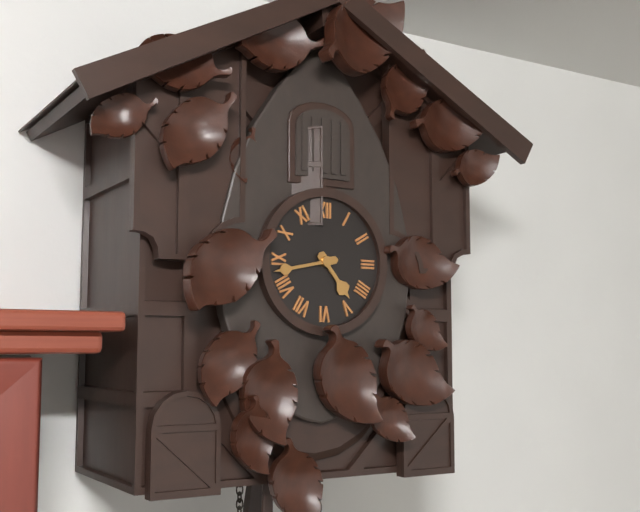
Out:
4.43
